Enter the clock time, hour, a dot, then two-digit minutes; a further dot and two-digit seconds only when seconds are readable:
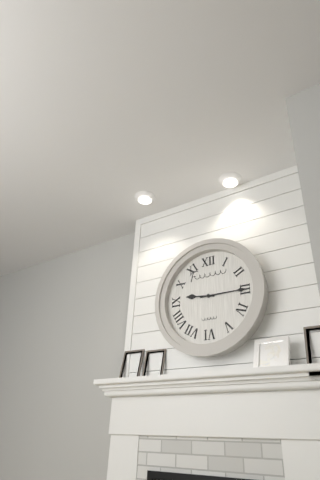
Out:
9.15
